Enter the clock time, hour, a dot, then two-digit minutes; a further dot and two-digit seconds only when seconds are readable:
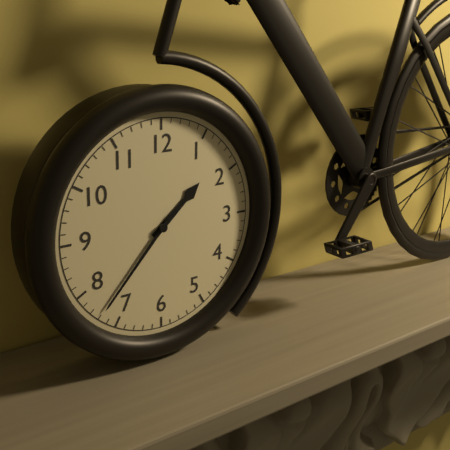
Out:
1.37
